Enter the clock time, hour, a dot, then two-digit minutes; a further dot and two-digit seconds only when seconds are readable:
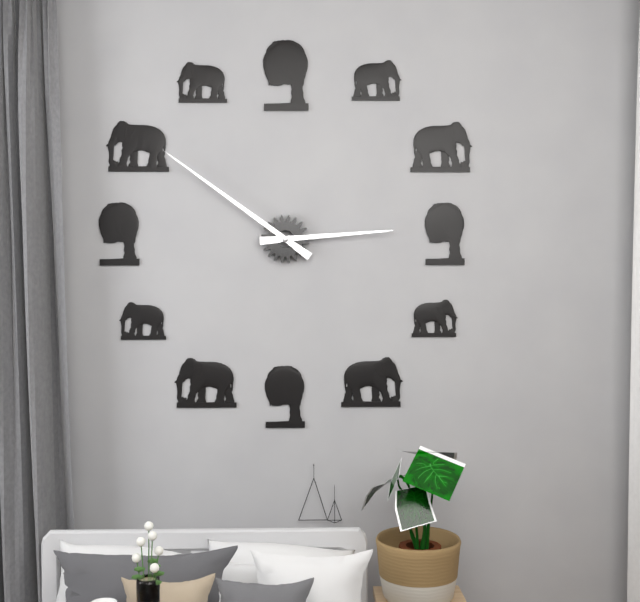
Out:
2.51
